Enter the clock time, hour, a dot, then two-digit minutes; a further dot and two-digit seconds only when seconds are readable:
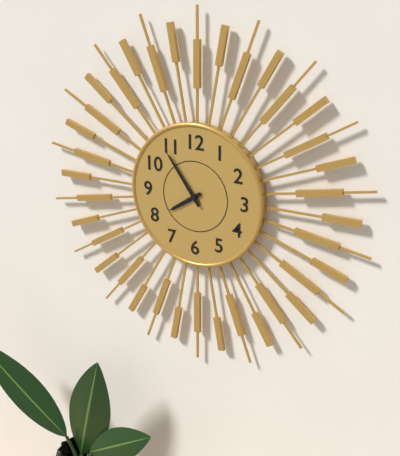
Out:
7.54
